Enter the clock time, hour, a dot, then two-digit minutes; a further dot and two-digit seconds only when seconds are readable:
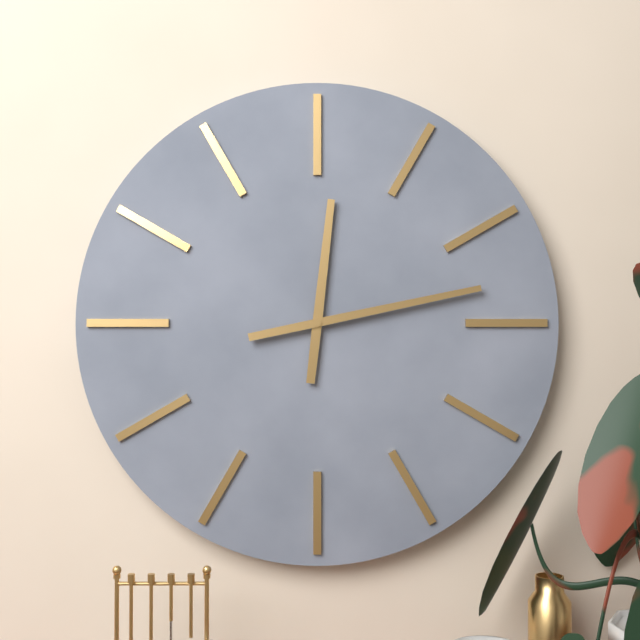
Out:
12.13
